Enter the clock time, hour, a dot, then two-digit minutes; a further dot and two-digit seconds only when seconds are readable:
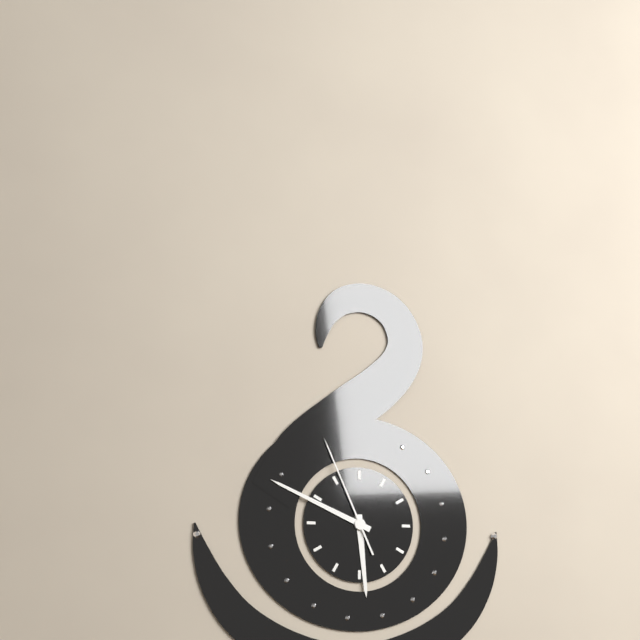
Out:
5.49.56
